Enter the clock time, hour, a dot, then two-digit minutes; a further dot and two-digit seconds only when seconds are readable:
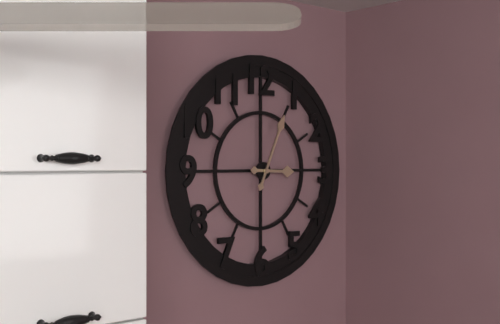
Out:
3.04
